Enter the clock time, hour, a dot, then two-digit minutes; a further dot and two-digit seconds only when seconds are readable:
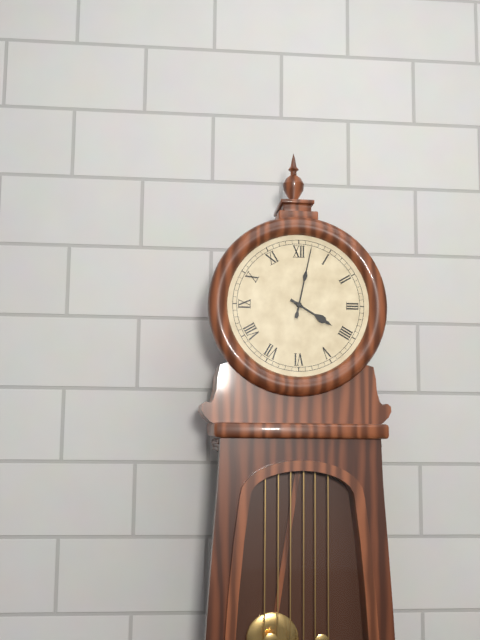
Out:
4.02
